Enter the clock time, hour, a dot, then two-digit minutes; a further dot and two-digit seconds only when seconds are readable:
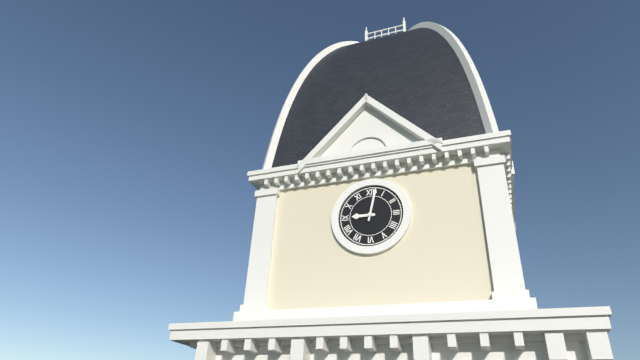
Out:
9.02
